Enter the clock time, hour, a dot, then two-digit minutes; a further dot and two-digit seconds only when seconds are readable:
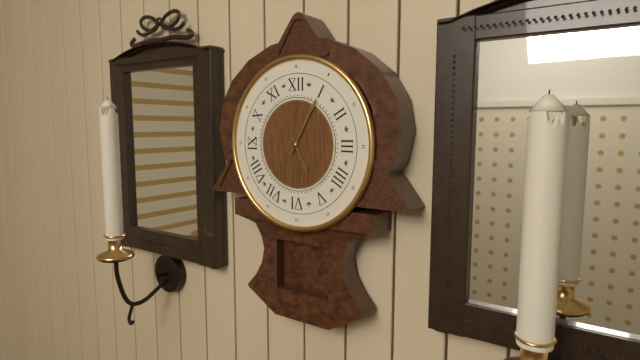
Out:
5.05
